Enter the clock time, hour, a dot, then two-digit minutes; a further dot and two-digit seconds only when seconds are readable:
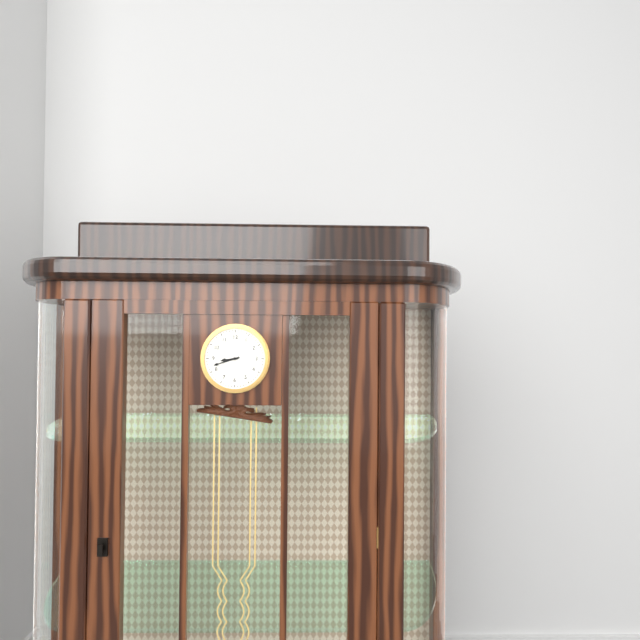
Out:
8.42
